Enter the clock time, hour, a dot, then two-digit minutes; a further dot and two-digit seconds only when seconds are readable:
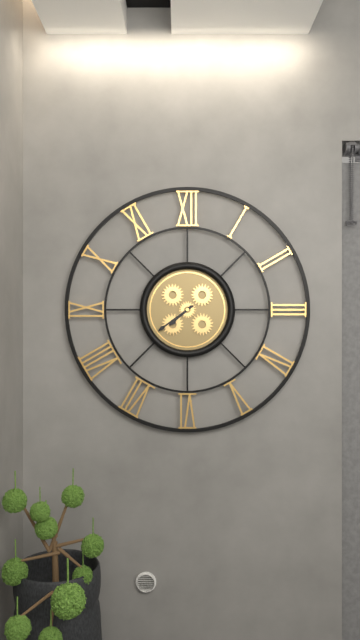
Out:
7.39
